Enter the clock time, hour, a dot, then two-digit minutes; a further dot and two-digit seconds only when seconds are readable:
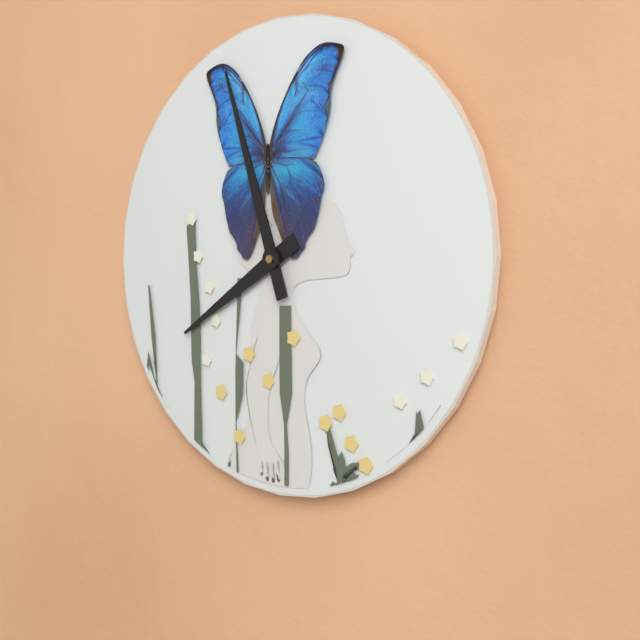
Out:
7.57
